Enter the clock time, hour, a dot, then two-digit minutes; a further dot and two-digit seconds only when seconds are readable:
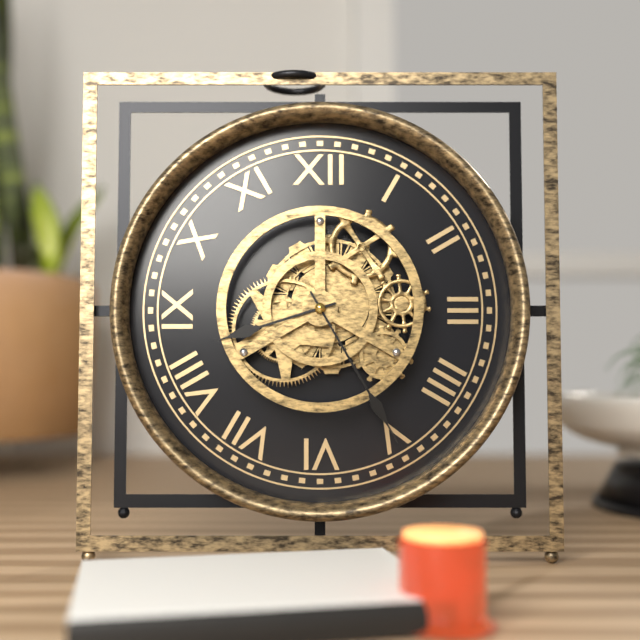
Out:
8.25
